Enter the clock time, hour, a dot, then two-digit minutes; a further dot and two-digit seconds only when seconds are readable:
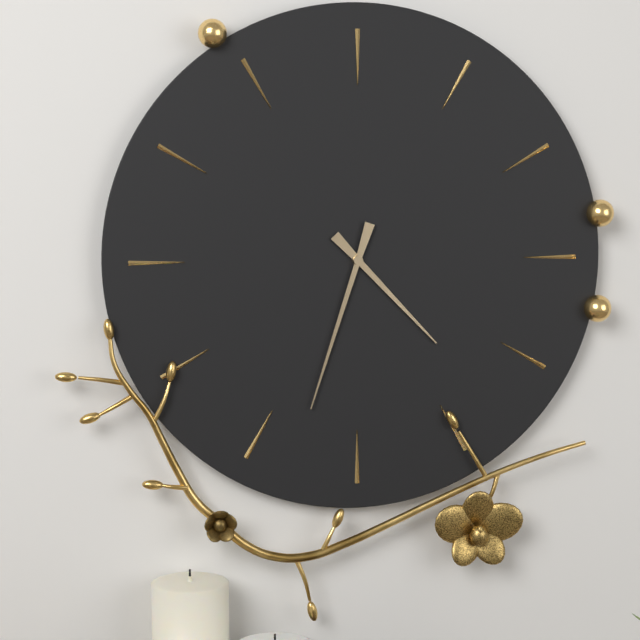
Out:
4.33
